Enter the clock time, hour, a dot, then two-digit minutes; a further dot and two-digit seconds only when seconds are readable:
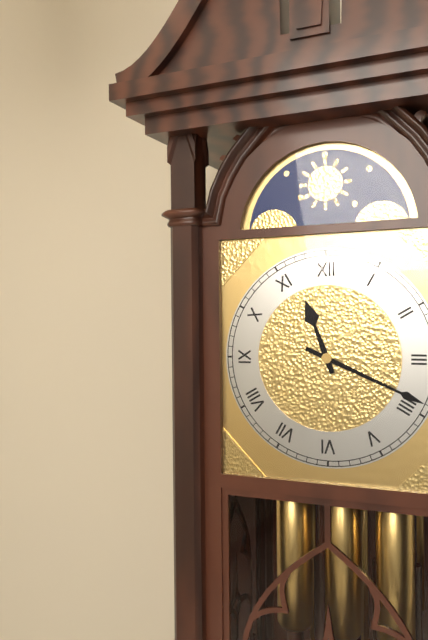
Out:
11.19
